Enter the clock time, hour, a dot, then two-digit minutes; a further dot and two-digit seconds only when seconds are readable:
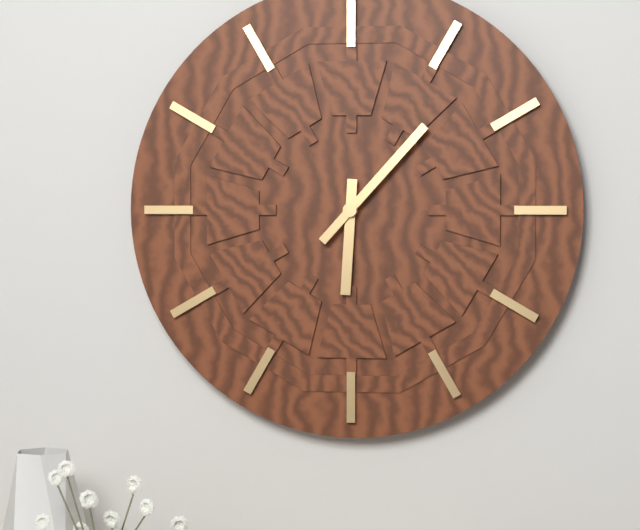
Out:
6.07
